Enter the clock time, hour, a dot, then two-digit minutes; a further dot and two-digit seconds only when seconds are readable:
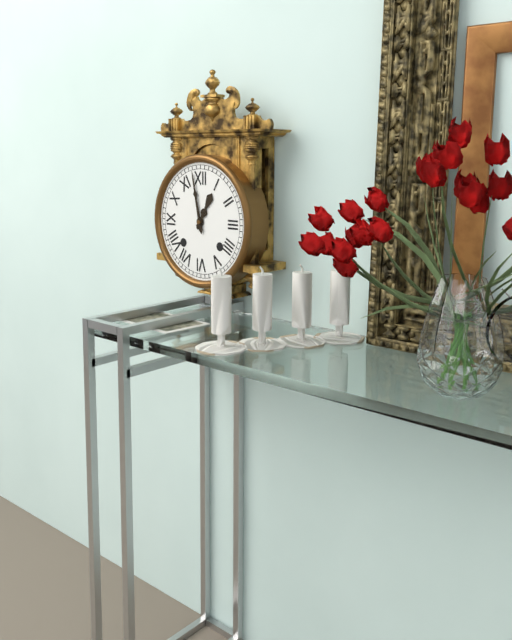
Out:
12.58
